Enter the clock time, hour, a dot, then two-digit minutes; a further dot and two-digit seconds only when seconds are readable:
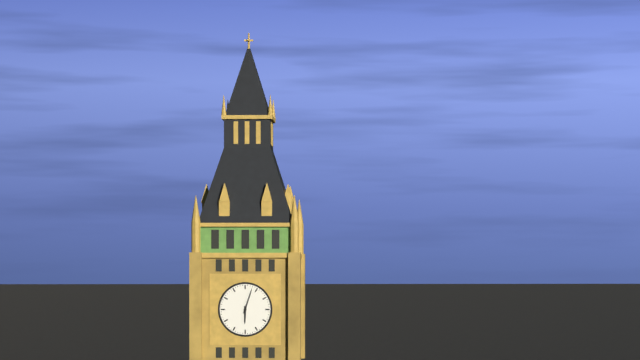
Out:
6.03
